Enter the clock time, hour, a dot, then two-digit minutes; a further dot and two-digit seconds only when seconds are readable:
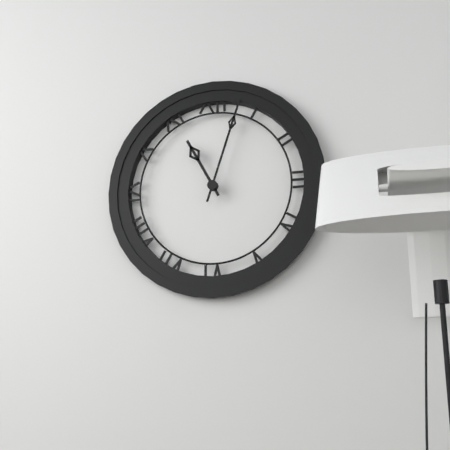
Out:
11.03
